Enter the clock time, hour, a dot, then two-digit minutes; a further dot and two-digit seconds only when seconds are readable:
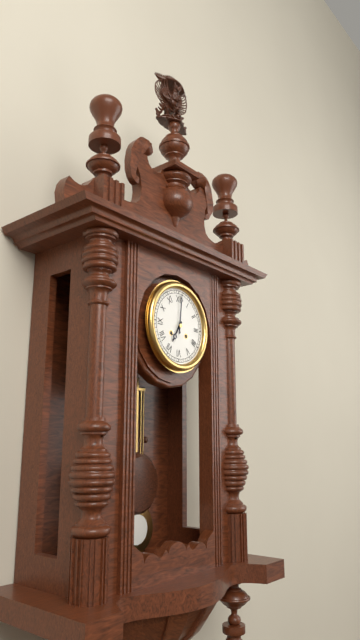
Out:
7.01
